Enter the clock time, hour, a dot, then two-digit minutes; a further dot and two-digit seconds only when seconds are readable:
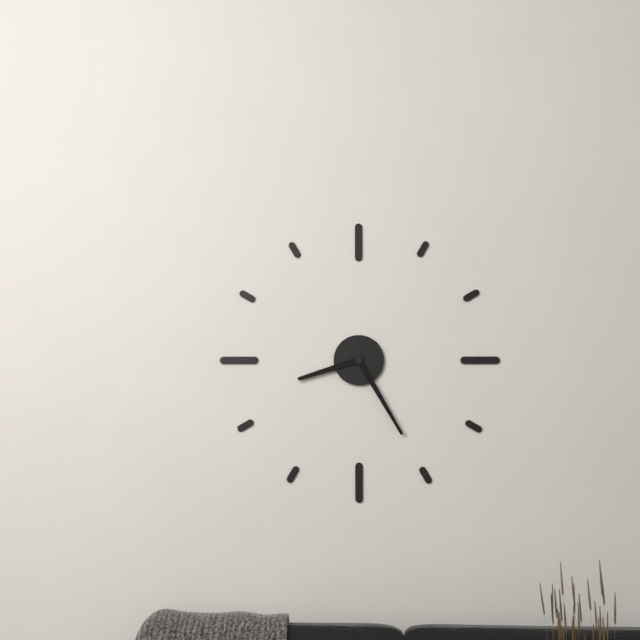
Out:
8.25
